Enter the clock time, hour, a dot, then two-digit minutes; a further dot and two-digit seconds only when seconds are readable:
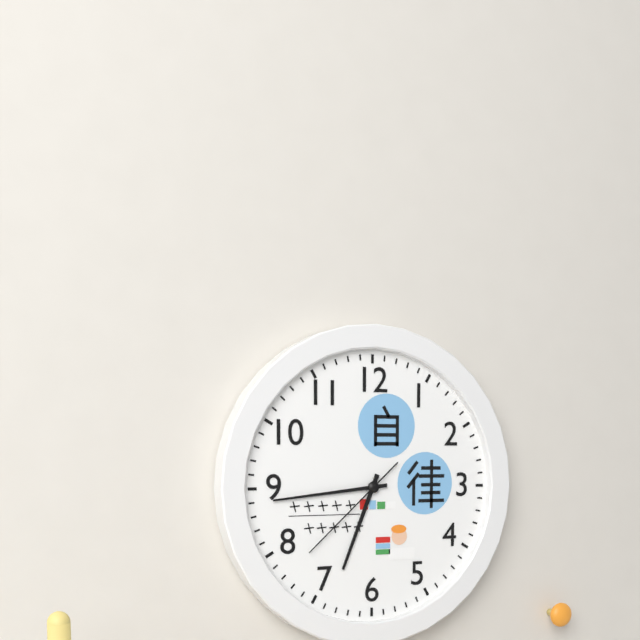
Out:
6.44.38
